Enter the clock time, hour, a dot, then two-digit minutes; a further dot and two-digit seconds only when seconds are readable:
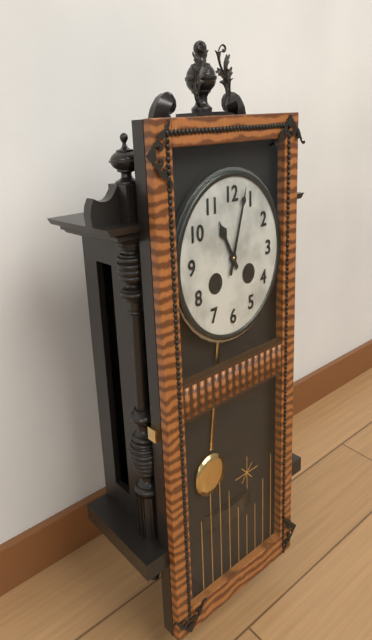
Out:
11.03
